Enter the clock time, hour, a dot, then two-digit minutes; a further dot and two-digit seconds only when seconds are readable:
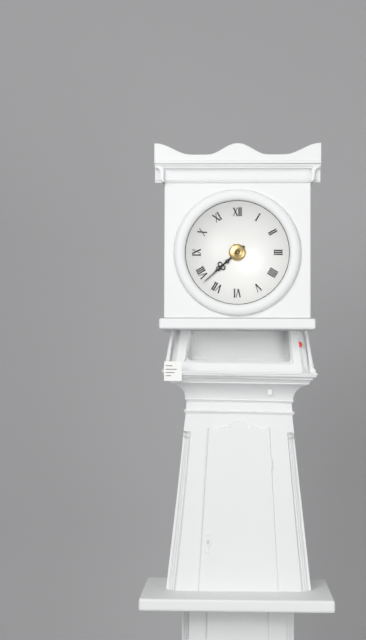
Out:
7.38
